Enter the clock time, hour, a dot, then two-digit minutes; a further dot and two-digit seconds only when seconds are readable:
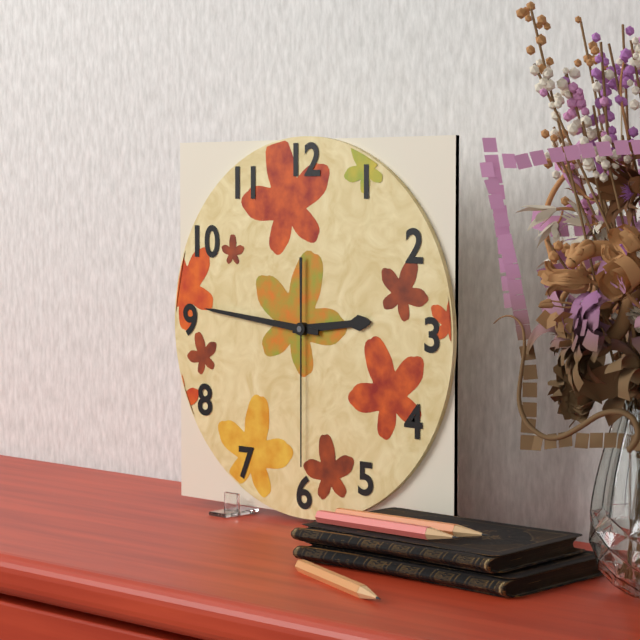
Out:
2.46.30
